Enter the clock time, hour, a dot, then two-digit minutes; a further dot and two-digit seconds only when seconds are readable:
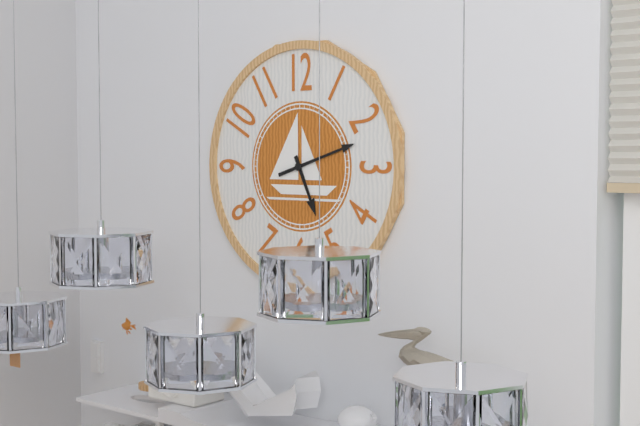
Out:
5.12
